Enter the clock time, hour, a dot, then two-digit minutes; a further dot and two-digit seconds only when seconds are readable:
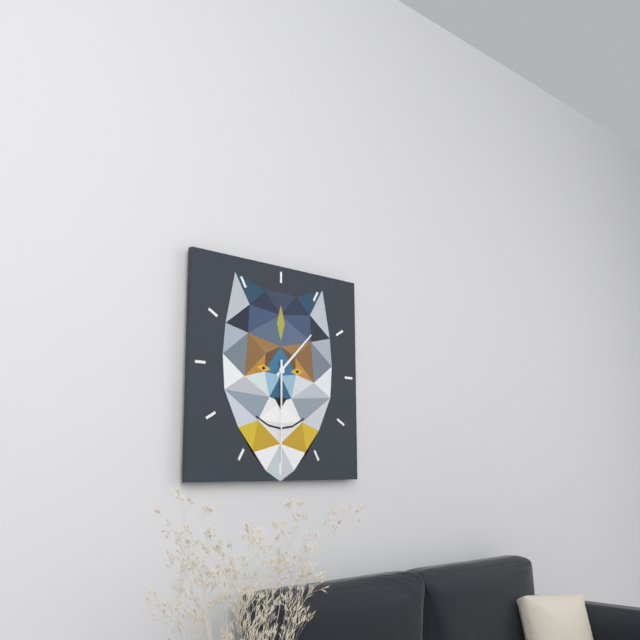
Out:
1.30
